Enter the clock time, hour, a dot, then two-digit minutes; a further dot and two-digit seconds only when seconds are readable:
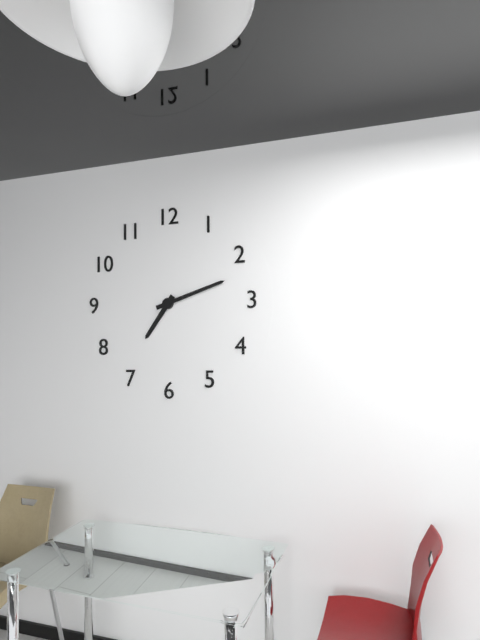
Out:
7.12
